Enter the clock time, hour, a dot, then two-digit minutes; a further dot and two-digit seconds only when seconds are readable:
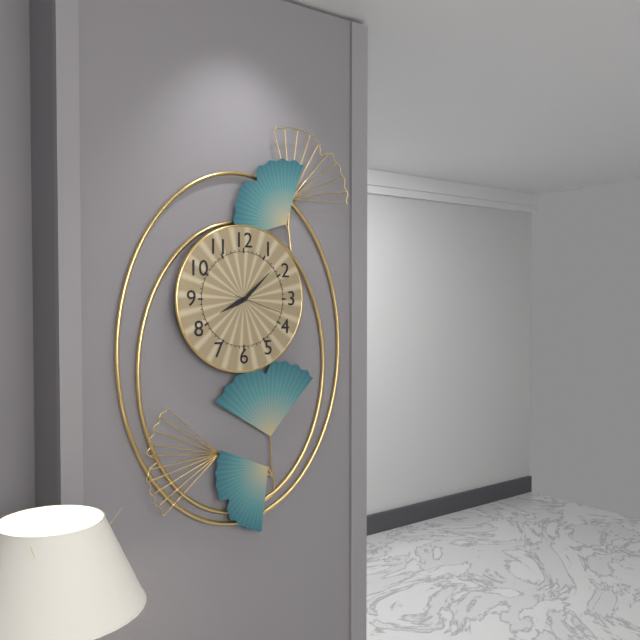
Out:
8.08
